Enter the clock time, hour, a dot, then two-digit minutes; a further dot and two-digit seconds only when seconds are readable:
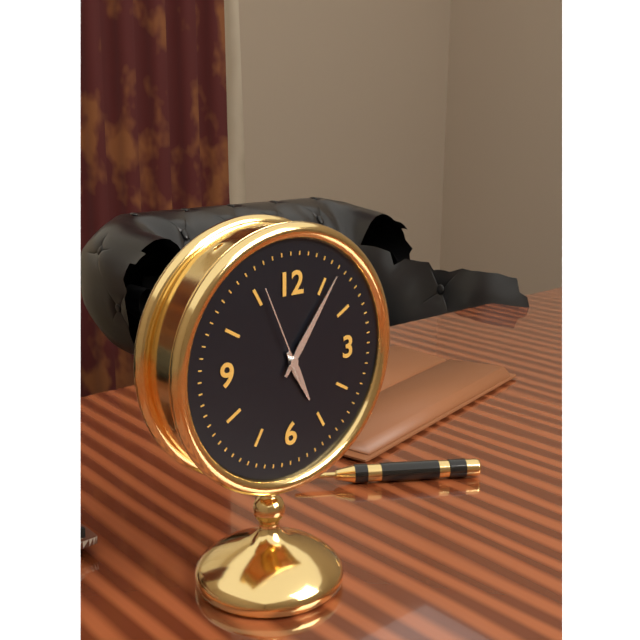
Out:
5.06.56
